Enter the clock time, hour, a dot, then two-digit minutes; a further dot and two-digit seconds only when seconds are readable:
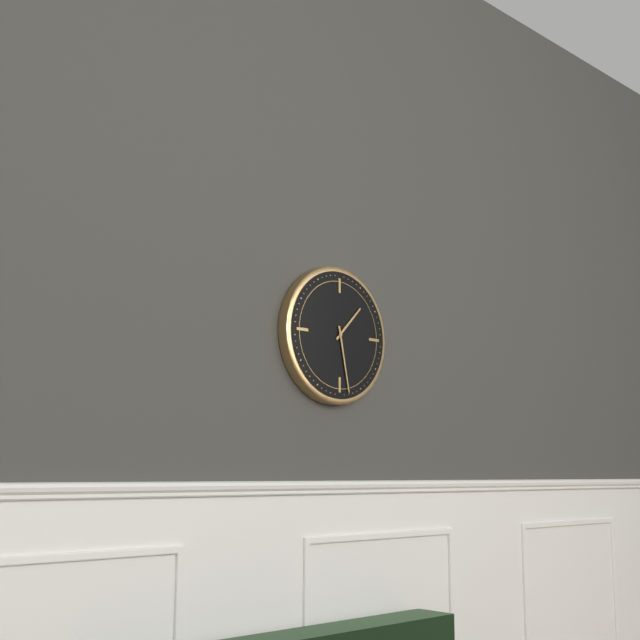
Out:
1.28
